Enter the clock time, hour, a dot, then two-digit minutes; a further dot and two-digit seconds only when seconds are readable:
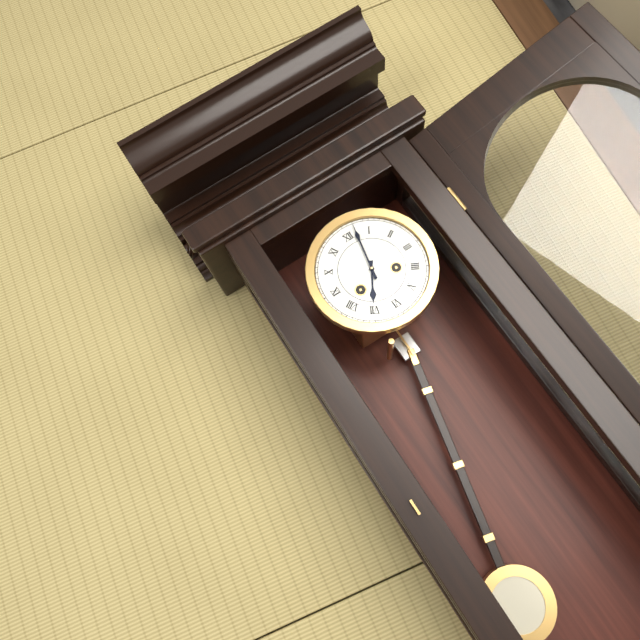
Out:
7.02
